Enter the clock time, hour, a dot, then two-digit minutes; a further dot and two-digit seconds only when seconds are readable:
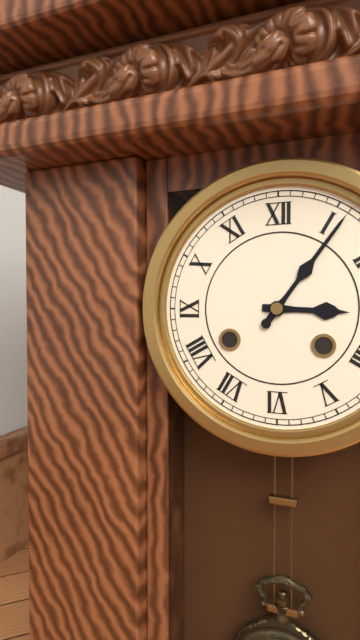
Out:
3.06
